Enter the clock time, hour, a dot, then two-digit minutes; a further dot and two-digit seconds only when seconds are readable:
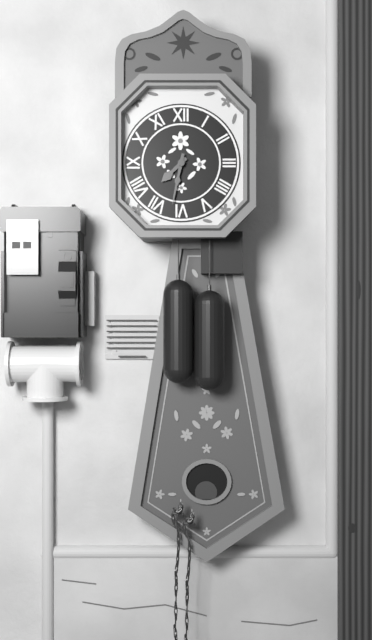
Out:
7.32
